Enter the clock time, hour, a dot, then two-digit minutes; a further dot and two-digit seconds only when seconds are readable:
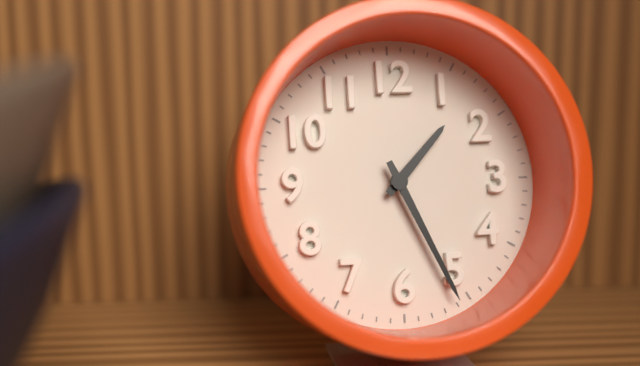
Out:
1.26
